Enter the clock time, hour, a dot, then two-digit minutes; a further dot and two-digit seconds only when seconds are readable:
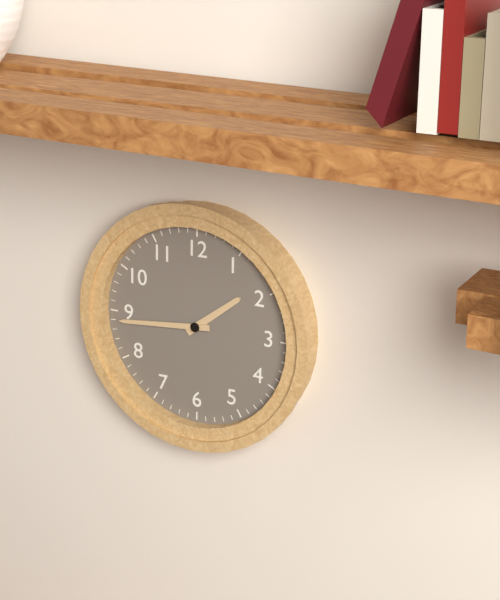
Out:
1.44
